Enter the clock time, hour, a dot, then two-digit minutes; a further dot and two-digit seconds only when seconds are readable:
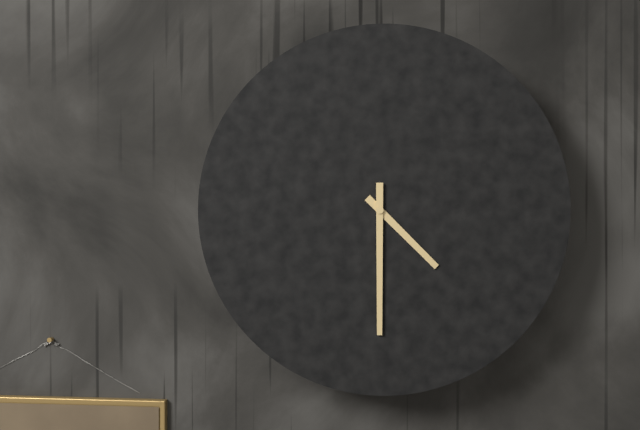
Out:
4.30
